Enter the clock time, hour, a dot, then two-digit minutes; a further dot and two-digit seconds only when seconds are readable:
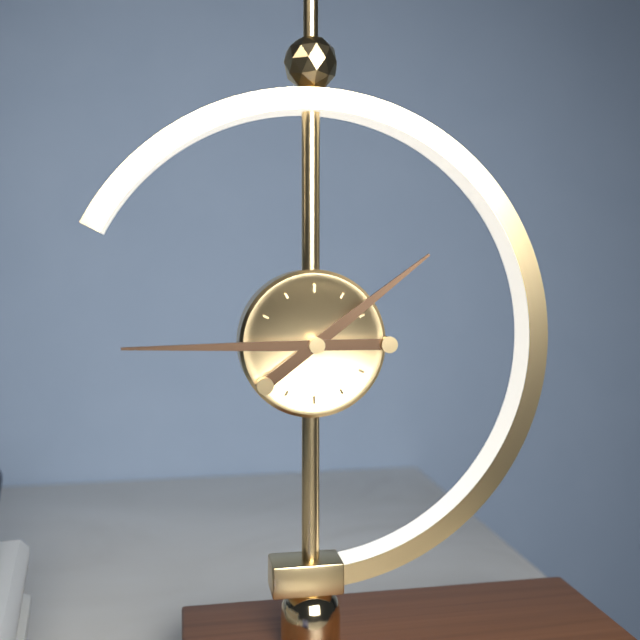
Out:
1.45
